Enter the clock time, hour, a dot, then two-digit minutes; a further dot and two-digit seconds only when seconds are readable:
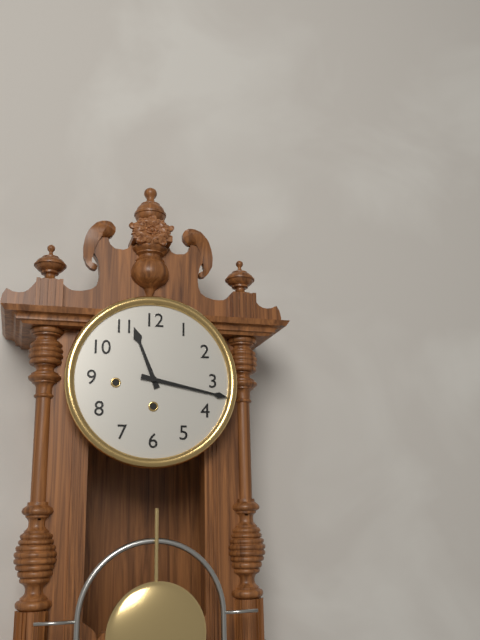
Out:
11.17
